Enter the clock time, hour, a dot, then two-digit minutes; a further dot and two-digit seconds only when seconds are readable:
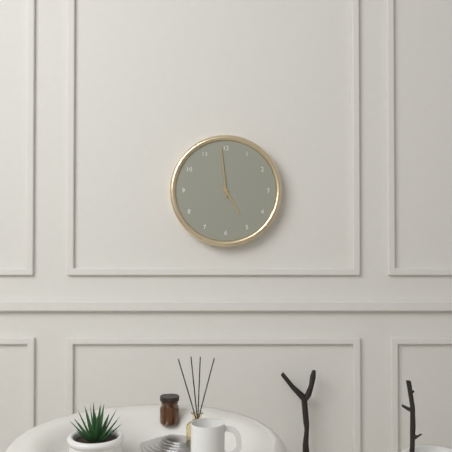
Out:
4.59
